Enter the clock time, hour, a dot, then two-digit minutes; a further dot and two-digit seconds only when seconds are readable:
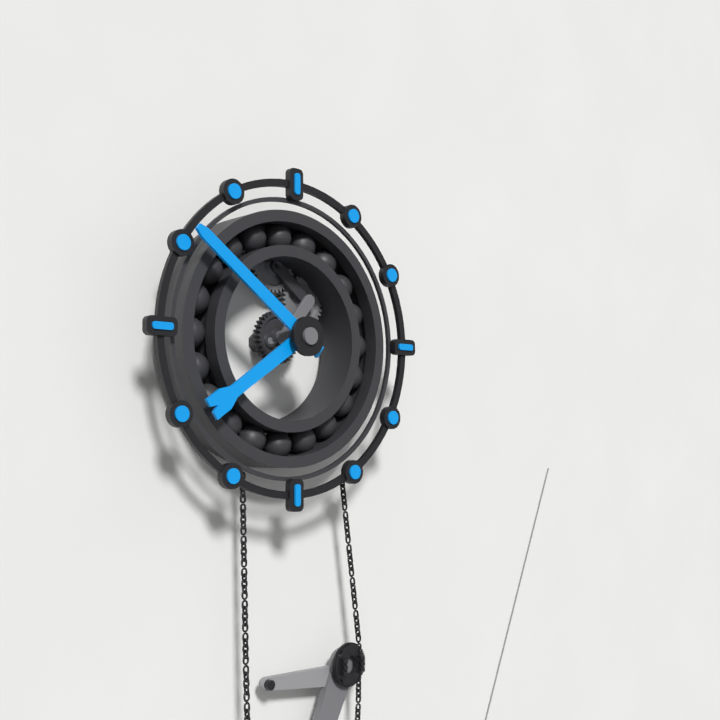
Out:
7.51
